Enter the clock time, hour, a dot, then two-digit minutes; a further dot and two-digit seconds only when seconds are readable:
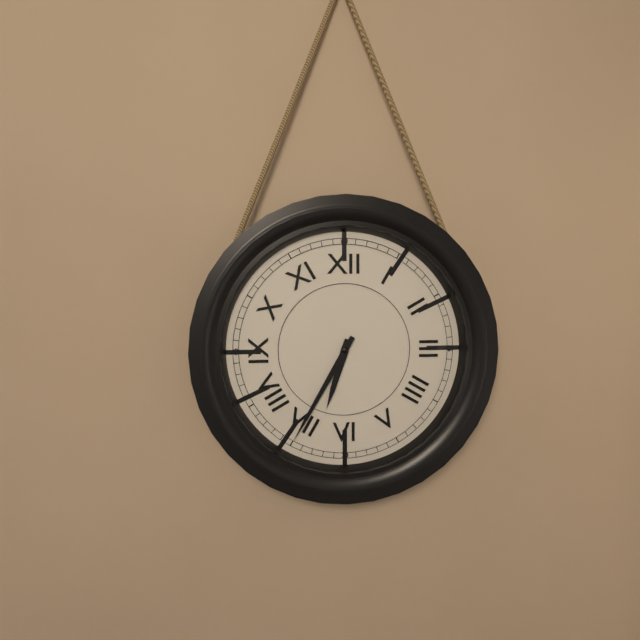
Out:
6.35
